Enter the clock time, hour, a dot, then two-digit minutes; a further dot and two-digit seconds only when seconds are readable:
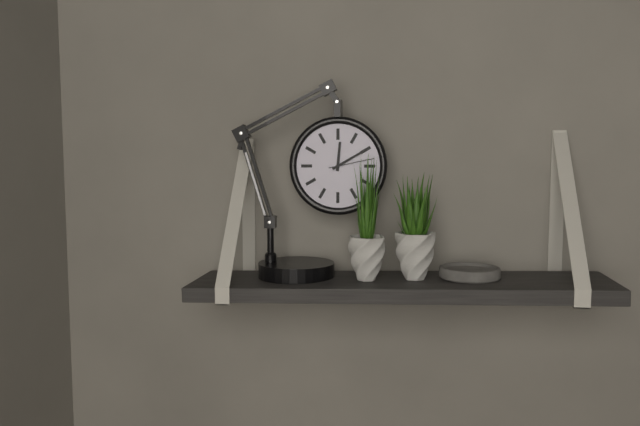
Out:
12.10
